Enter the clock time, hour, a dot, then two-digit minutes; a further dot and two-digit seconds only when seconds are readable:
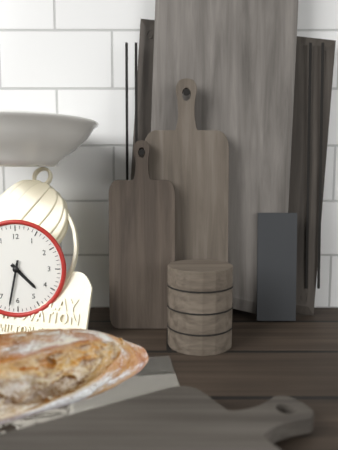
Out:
4.32
